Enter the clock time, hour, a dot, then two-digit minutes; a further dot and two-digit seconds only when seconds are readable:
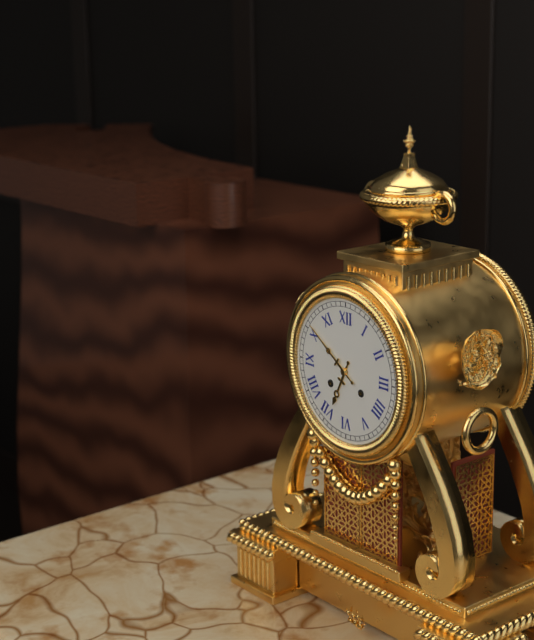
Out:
6.51
